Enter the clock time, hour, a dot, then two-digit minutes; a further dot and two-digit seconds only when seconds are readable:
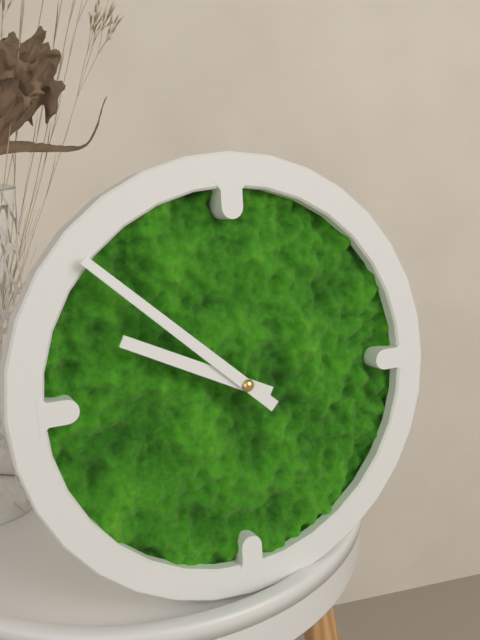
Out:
9.52
